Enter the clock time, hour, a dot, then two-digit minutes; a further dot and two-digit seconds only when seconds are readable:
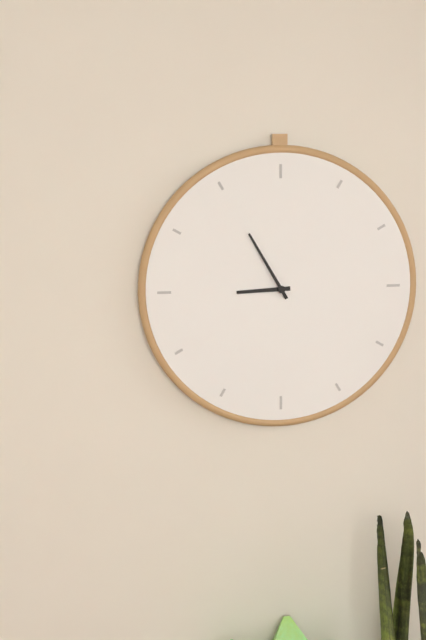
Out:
8.55
